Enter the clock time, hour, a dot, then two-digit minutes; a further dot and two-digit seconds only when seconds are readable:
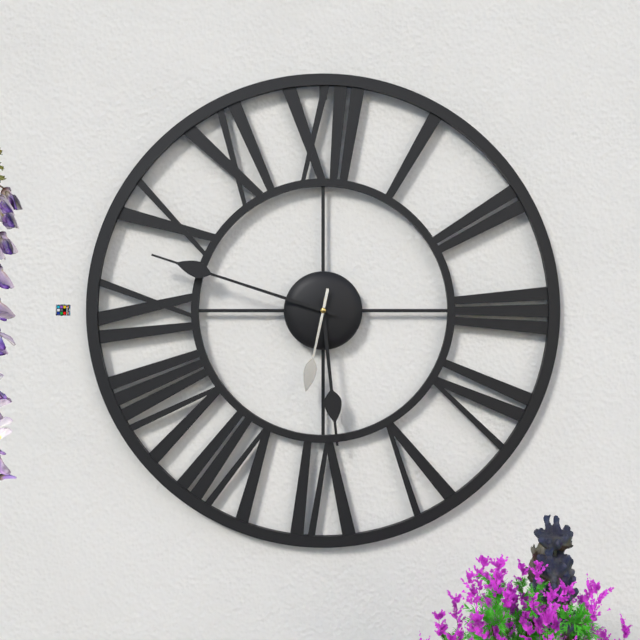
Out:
5.48.32
